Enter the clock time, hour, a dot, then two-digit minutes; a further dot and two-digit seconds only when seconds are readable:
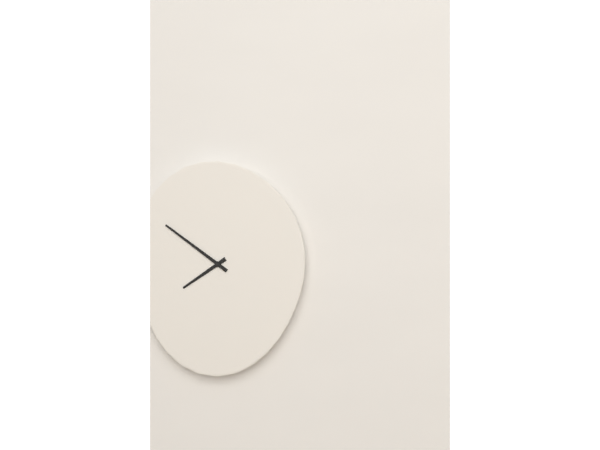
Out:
7.51
